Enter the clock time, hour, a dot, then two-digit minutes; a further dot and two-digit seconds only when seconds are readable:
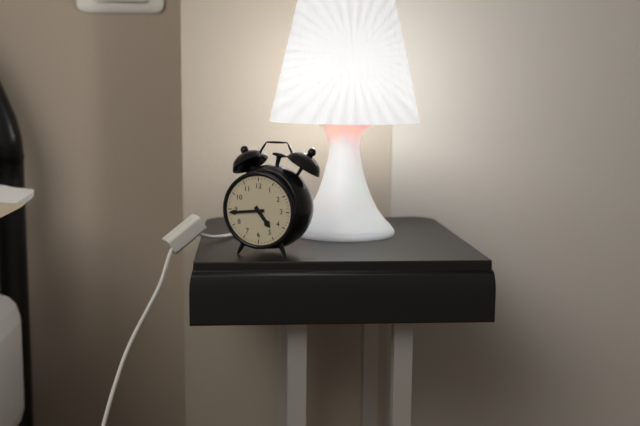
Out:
4.44
